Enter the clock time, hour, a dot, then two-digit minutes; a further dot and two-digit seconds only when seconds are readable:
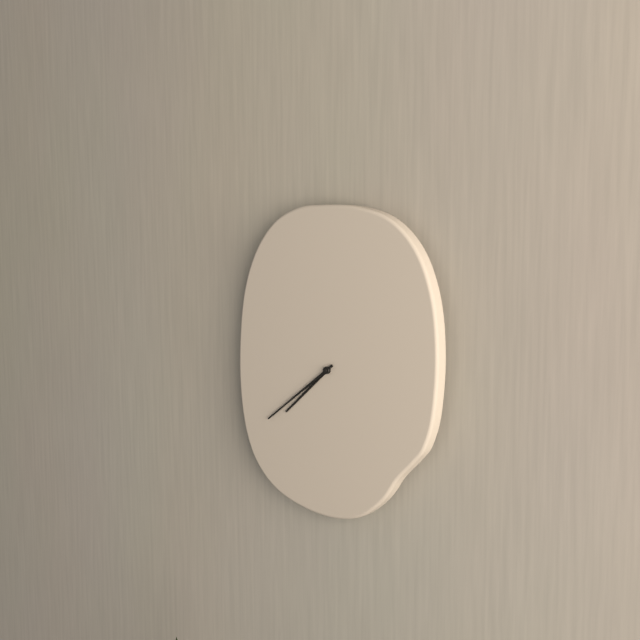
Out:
7.39
